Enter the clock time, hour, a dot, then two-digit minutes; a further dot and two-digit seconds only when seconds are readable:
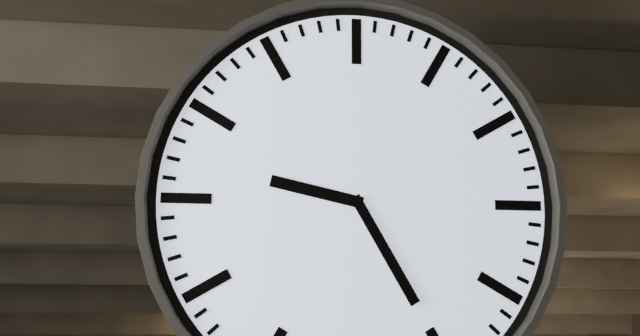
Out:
9.25
